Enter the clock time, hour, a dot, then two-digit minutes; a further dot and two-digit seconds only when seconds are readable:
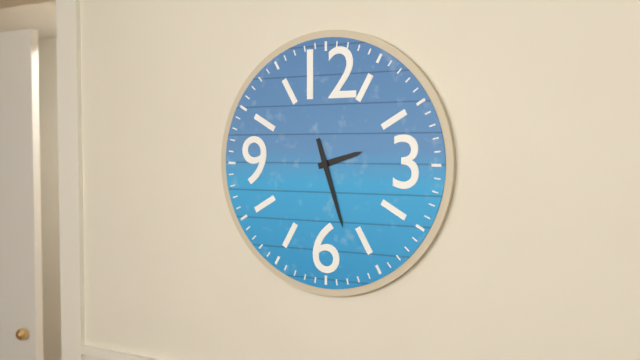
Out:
2.27
